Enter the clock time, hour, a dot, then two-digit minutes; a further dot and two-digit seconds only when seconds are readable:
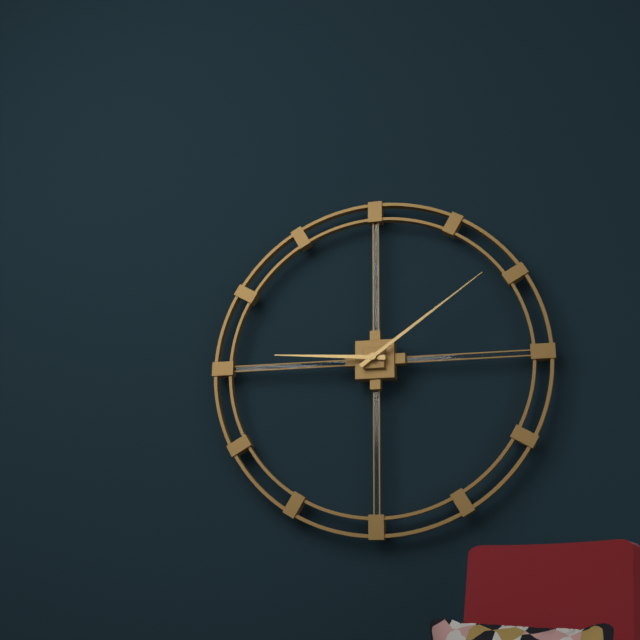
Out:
9.09
